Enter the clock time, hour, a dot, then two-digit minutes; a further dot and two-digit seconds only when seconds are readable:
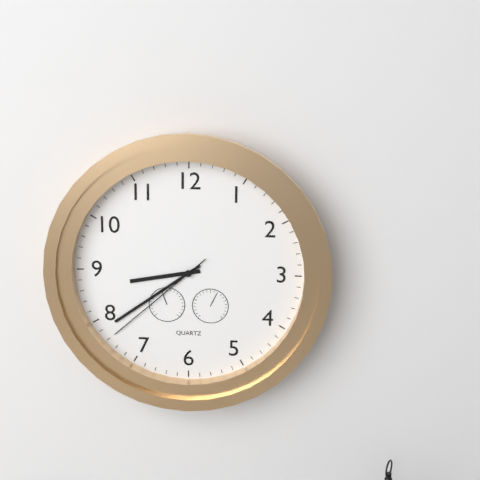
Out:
8.39.38
